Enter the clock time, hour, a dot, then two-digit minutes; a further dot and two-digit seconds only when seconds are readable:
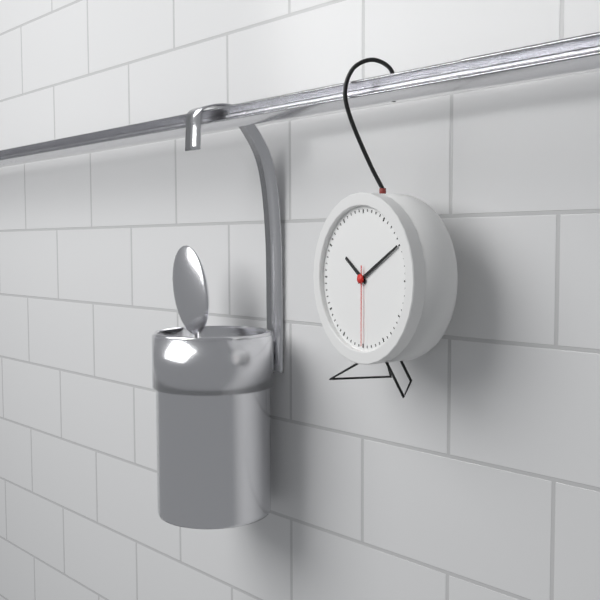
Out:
10.10.30
